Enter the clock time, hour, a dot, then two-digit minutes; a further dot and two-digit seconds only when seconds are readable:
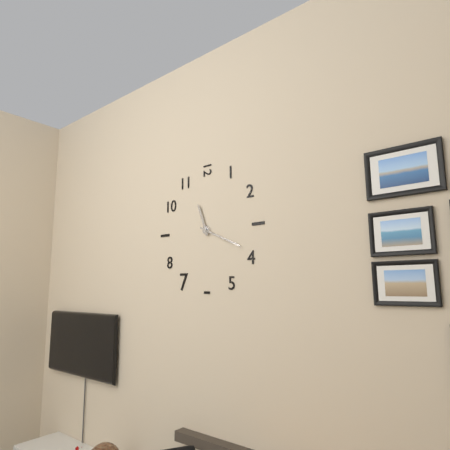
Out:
11.19
